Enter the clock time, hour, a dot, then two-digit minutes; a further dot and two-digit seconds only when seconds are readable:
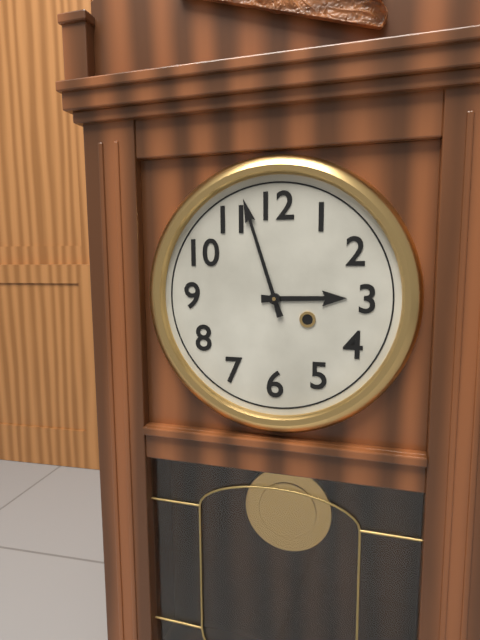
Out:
2.57
